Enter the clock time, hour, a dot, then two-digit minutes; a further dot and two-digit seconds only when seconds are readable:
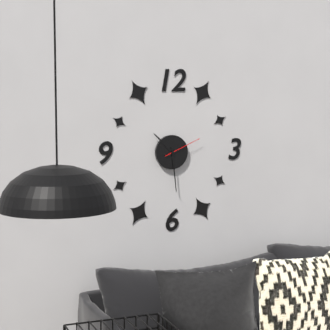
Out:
10.29
